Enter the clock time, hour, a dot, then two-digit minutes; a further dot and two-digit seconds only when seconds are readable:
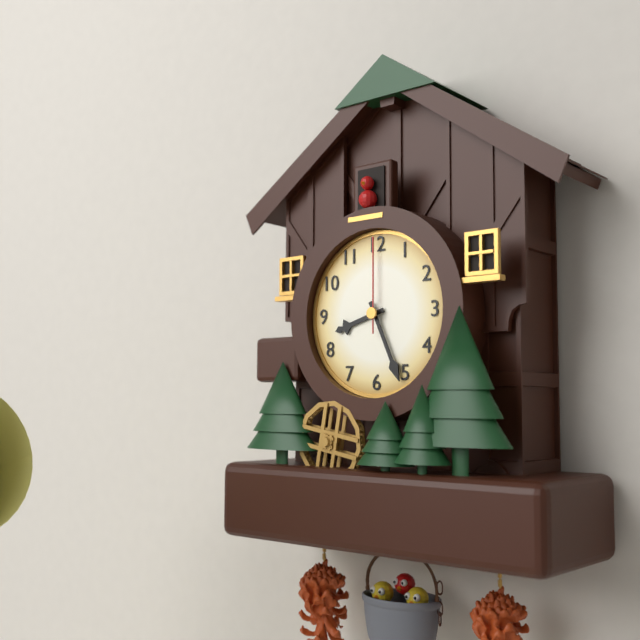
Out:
8.26.00
